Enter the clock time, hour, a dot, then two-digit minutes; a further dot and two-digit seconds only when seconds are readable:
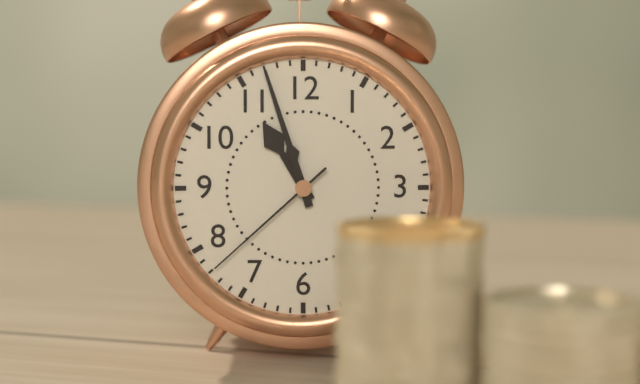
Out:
10.57.38
